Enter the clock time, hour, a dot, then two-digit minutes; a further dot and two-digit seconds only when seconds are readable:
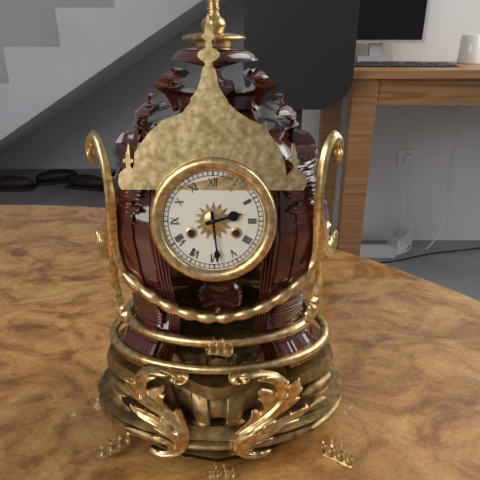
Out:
2.29
